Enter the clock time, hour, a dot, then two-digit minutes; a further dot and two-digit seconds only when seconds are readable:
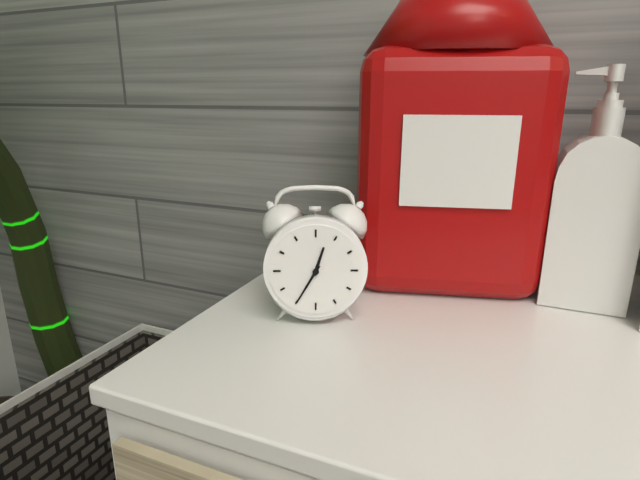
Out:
12.35
